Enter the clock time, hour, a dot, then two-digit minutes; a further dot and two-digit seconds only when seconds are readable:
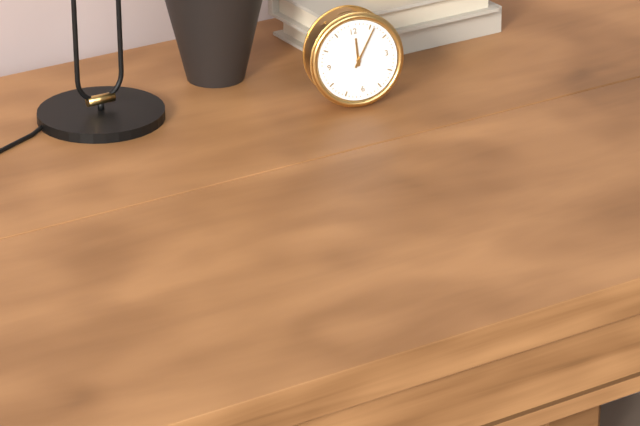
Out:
12.06
